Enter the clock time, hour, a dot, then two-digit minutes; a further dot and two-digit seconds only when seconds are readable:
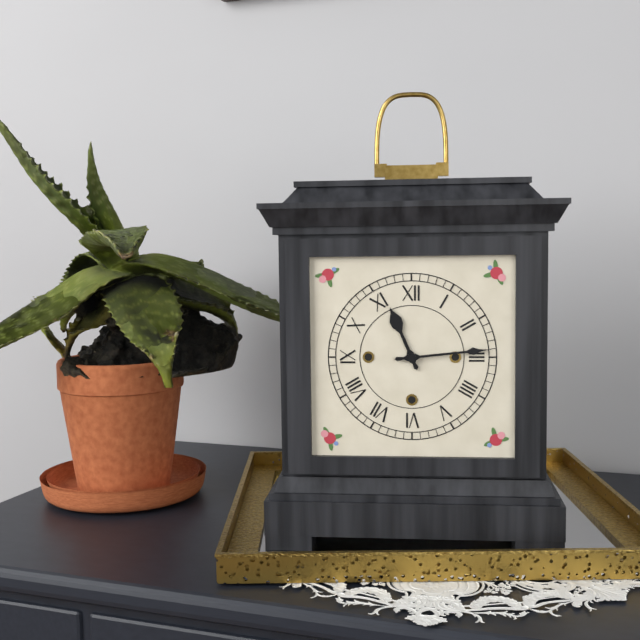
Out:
11.14
